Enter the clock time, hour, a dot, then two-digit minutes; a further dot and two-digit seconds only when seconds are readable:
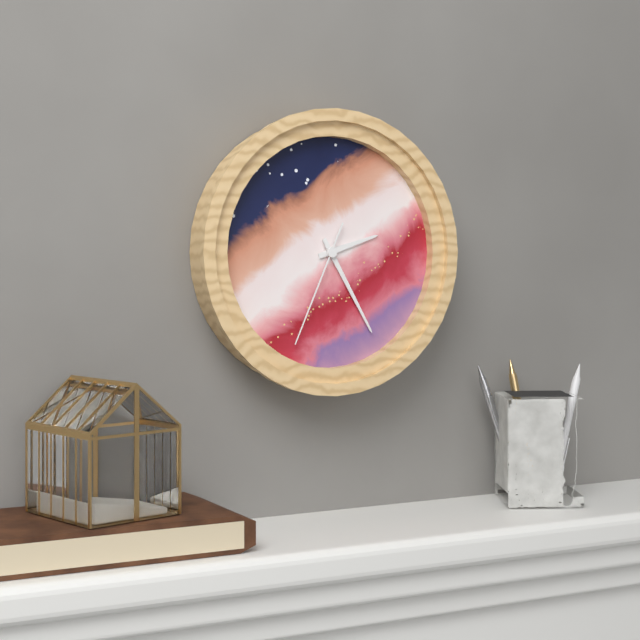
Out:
2.25.34
